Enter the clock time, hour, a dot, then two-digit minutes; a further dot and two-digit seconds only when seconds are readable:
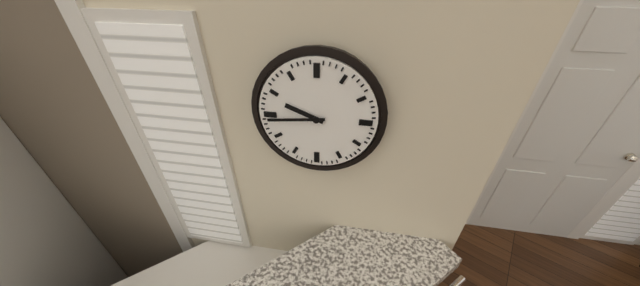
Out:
9.44
